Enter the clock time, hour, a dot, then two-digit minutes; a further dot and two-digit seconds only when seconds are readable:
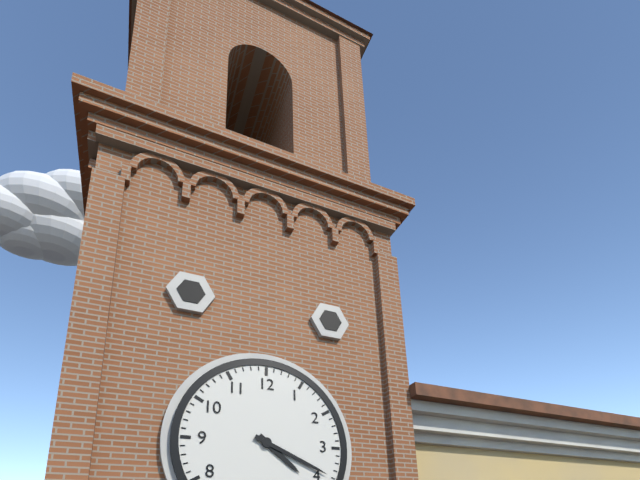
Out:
4.19
